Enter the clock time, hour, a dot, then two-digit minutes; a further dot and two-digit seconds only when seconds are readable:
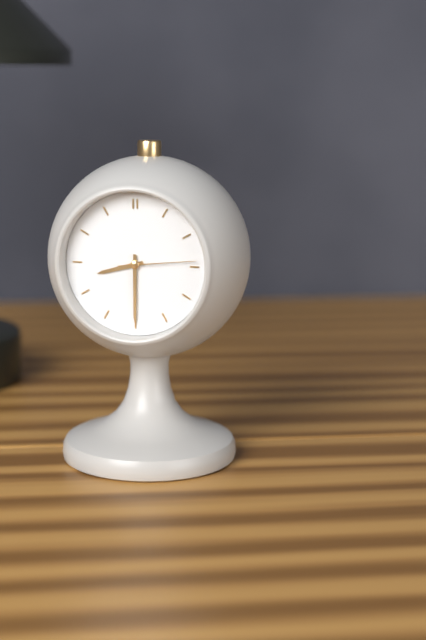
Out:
8.30.14
